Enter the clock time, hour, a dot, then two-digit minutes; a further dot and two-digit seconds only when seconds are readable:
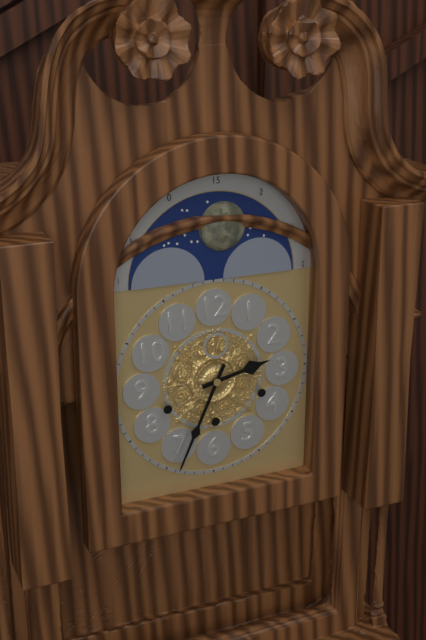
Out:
2.34
